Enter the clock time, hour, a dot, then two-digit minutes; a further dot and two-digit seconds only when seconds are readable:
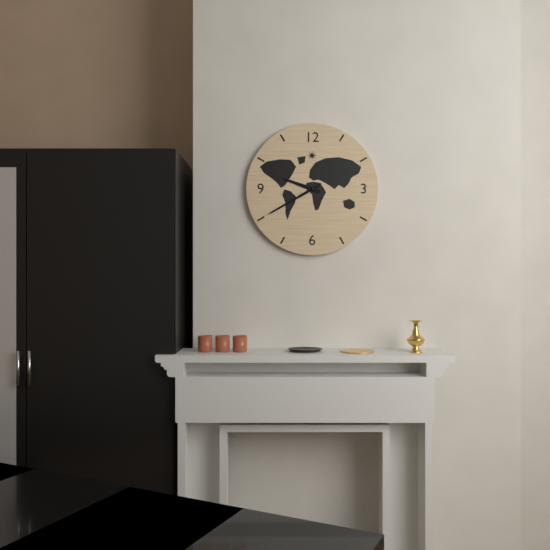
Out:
9.40
